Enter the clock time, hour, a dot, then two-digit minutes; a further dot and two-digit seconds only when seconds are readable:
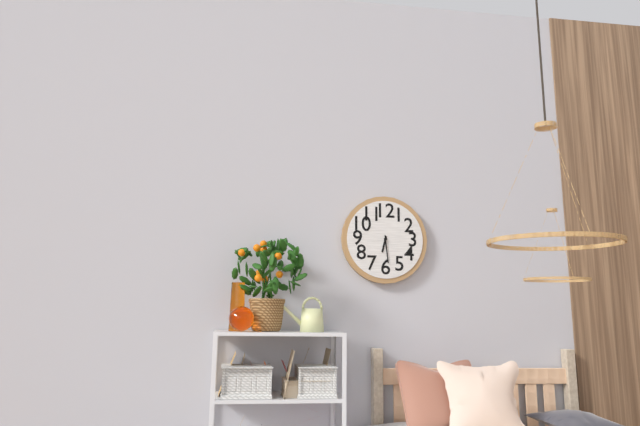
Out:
6.29
